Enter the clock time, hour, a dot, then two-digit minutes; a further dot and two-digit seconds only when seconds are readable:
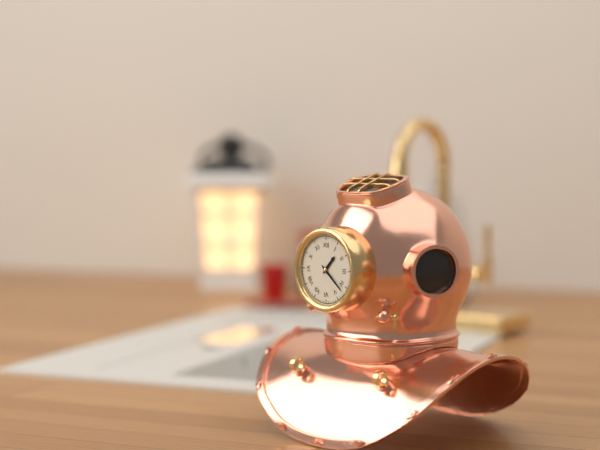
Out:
1.22
